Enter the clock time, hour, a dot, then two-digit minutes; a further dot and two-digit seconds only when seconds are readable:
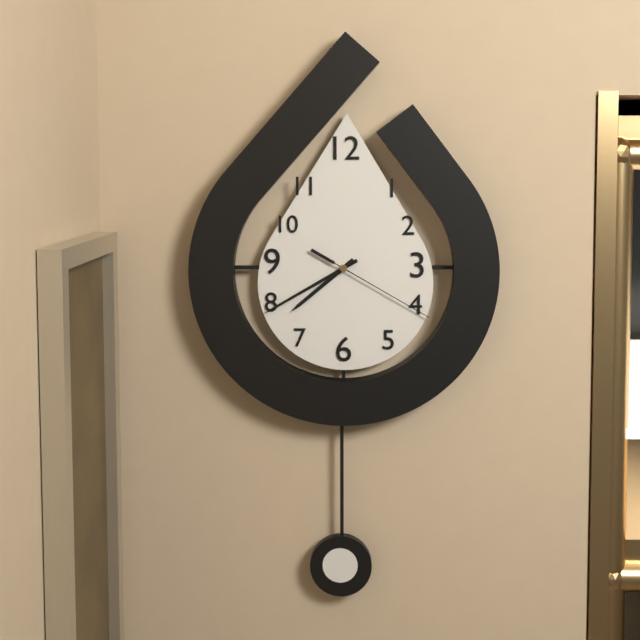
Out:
7.40.20
